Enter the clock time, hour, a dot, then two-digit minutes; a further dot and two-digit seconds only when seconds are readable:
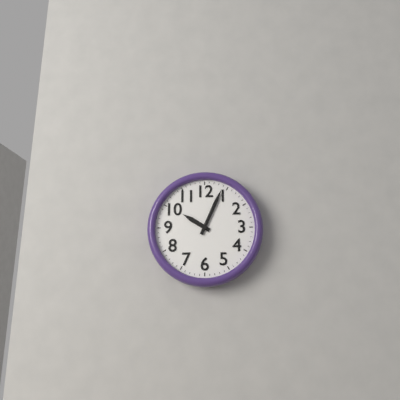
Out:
10.04
